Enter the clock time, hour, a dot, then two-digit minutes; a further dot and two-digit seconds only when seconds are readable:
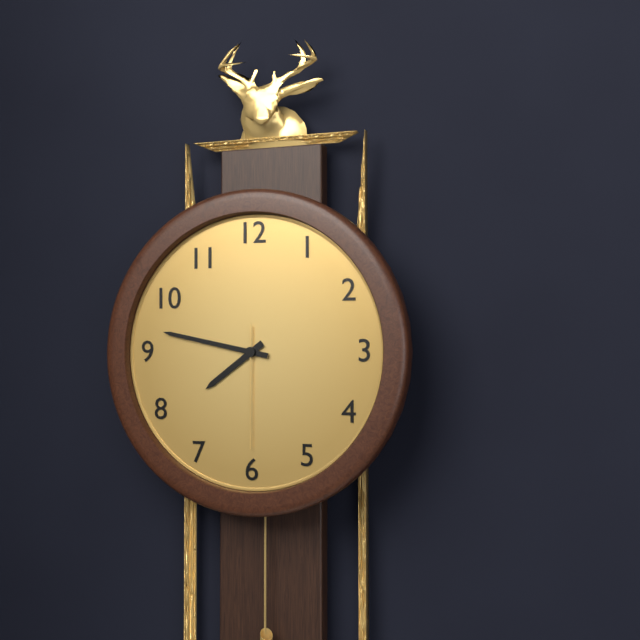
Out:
7.47.30
